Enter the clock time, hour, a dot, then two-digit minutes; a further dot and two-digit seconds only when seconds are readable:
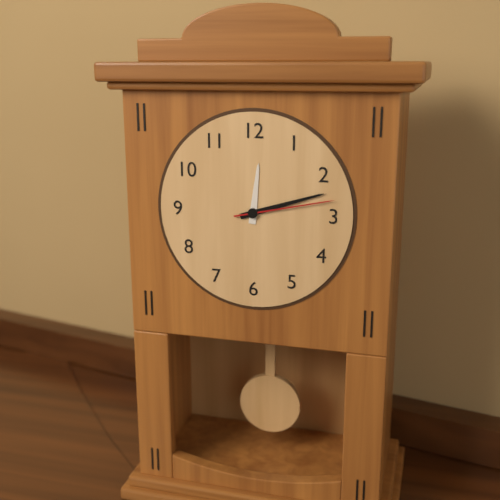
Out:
12.12.13
